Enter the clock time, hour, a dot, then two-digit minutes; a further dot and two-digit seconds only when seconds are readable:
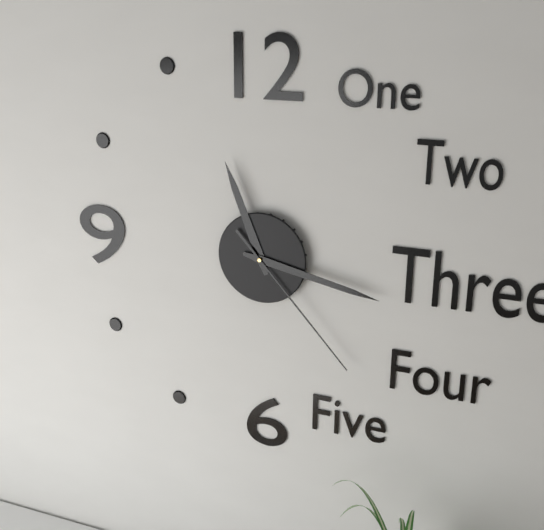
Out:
11.17.23
